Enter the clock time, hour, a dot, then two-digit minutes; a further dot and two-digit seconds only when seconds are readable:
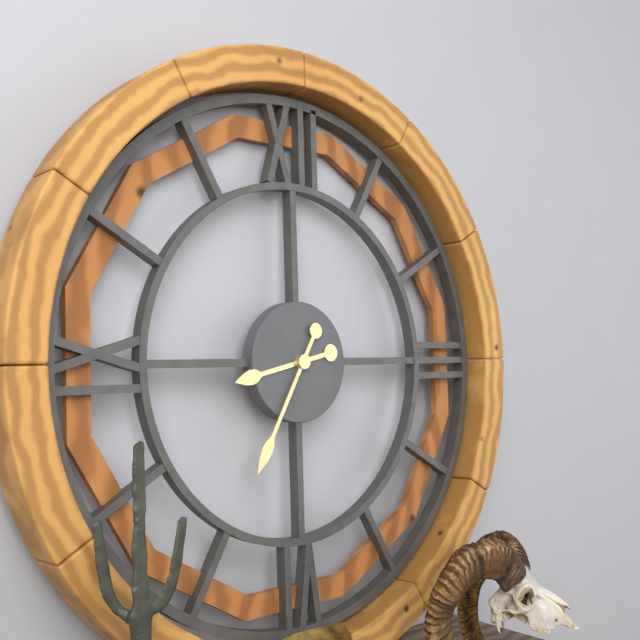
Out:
8.35
